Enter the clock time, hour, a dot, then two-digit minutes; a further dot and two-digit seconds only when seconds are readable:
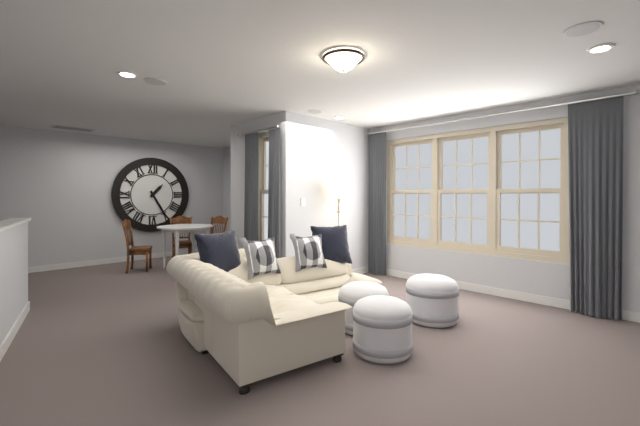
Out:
1.25
